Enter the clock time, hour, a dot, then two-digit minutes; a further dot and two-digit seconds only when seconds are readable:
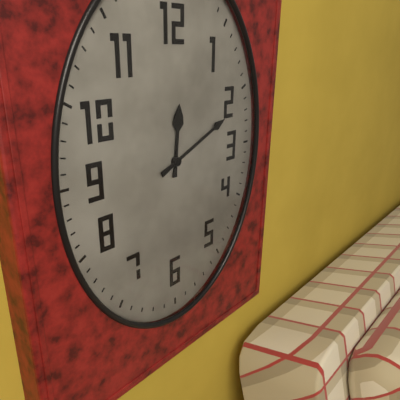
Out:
12.11
